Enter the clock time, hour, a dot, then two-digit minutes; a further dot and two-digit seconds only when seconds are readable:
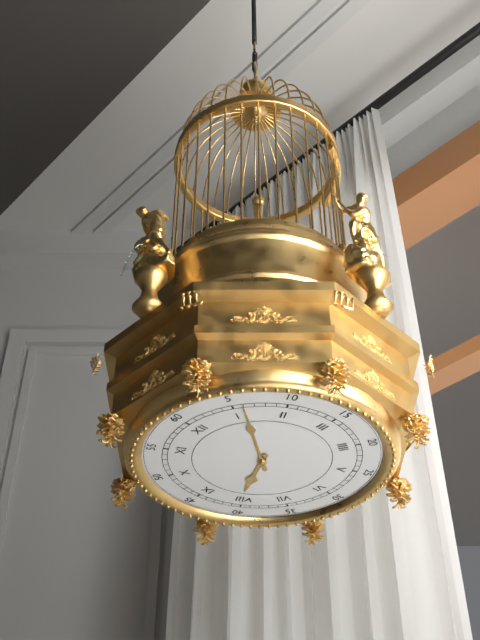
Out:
8.06
